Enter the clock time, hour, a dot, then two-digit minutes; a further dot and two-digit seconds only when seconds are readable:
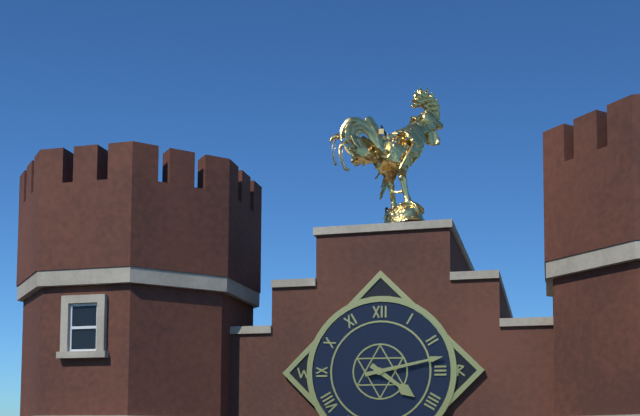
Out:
4.13
